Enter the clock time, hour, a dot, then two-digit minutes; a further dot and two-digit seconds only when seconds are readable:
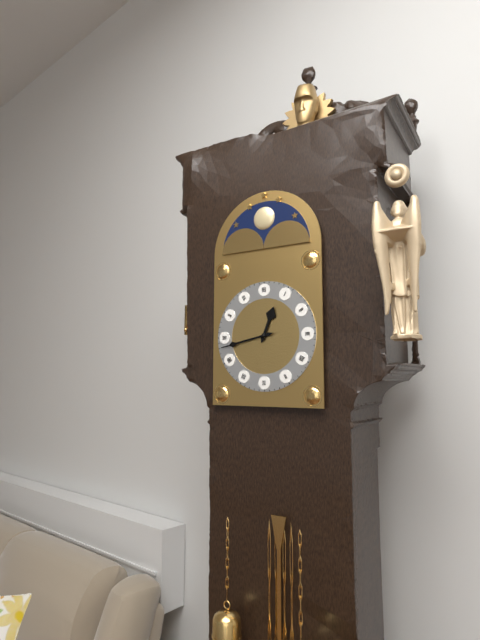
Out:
12.43
